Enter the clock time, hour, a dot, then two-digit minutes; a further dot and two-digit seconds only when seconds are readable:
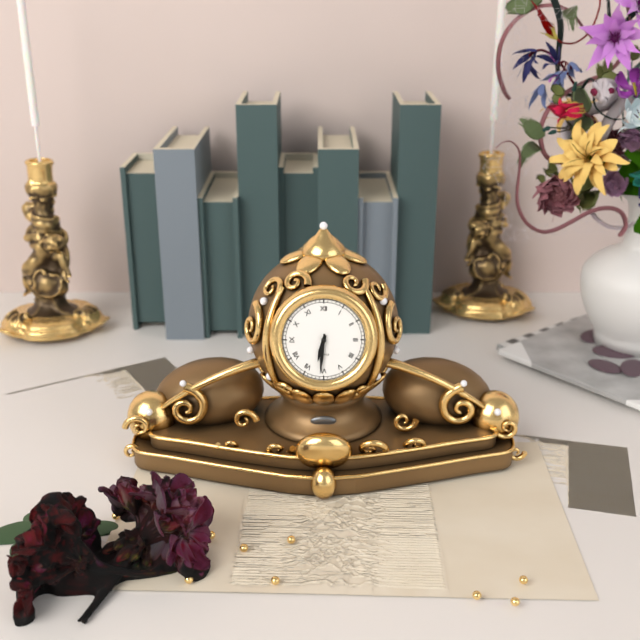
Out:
6.31
